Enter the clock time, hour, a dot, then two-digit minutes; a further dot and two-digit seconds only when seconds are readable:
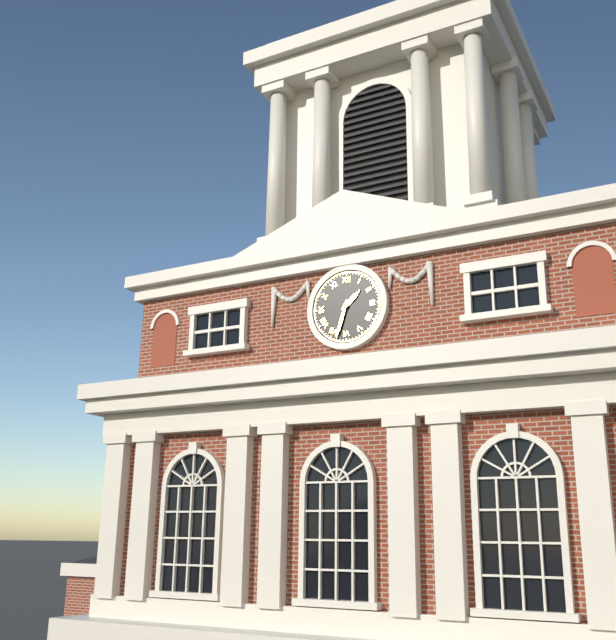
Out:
1.33
